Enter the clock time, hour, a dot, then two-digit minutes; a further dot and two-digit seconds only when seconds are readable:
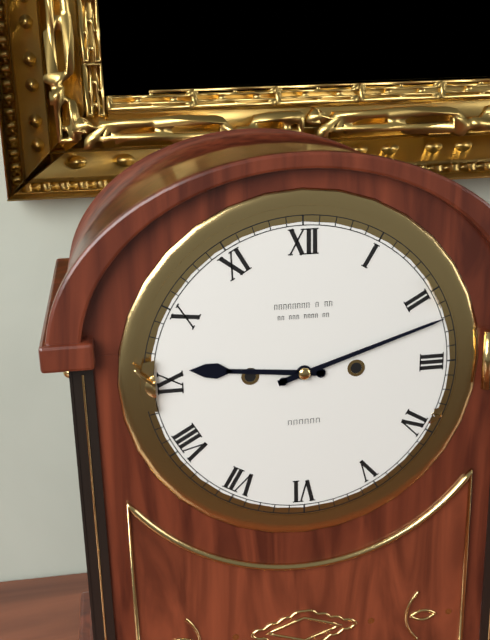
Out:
9.12
